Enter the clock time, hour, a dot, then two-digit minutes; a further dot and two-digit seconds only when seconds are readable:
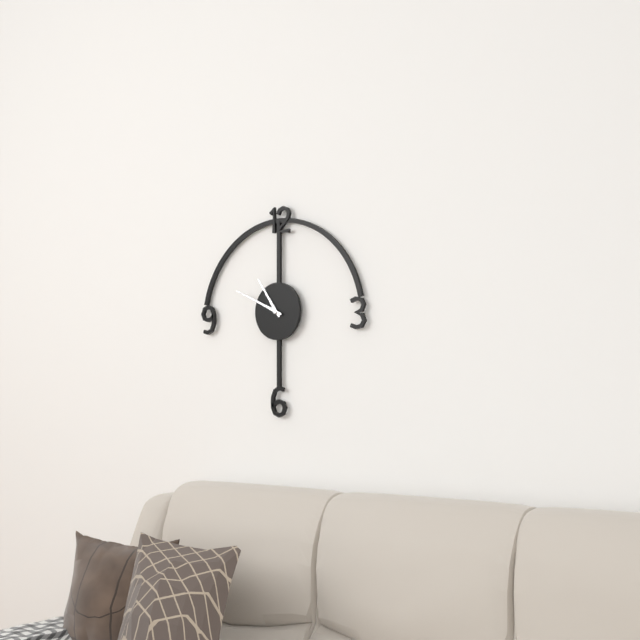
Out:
10.49
